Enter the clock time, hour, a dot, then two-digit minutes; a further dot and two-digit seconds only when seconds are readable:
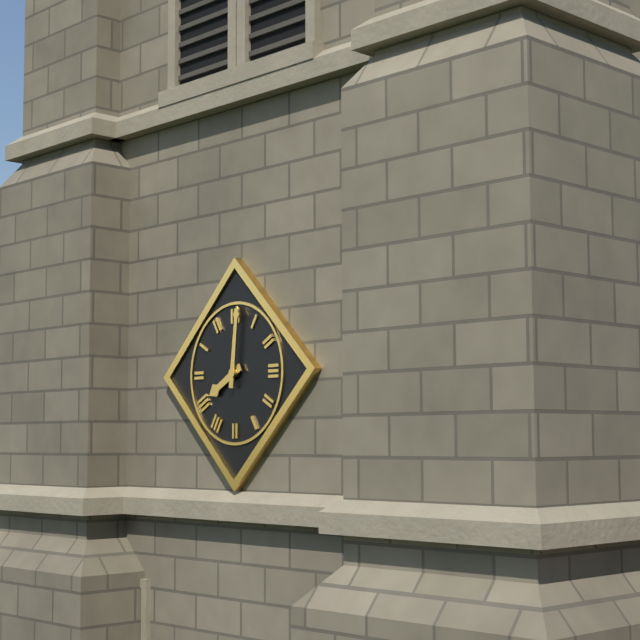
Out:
8.01
